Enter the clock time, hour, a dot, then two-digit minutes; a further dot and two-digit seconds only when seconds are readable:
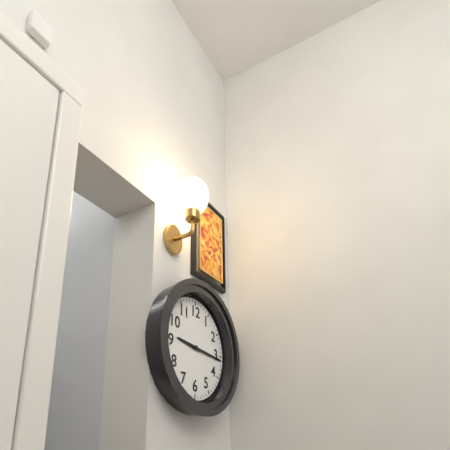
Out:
9.16
